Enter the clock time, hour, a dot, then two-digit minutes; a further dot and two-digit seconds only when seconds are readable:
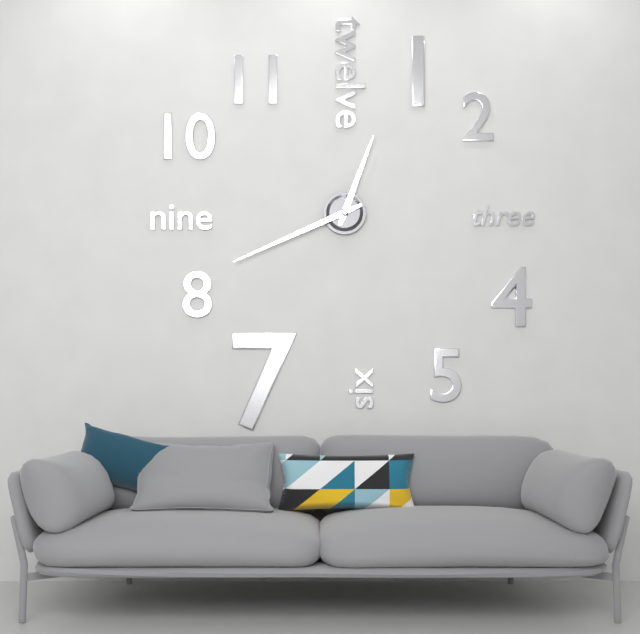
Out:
12.41
